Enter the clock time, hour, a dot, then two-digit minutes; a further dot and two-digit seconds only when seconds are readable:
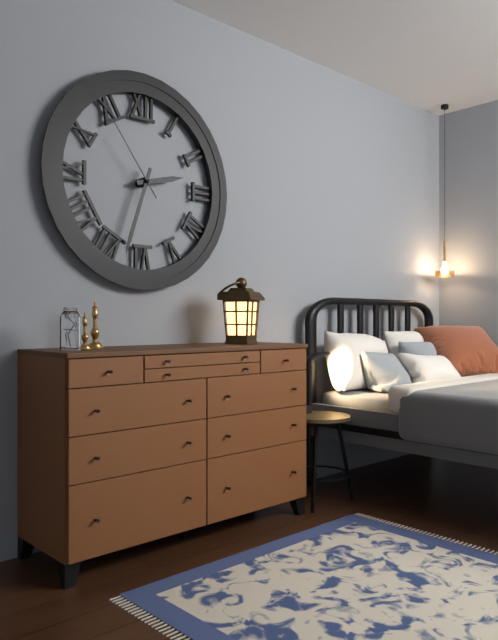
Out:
2.33.54
